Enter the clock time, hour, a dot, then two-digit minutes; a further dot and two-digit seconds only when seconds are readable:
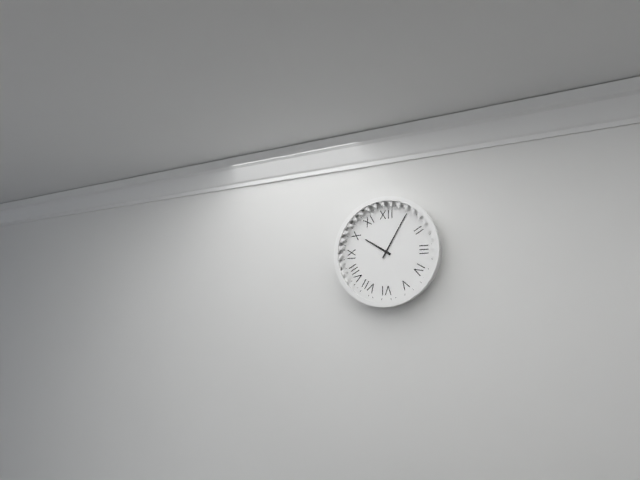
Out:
10.05
